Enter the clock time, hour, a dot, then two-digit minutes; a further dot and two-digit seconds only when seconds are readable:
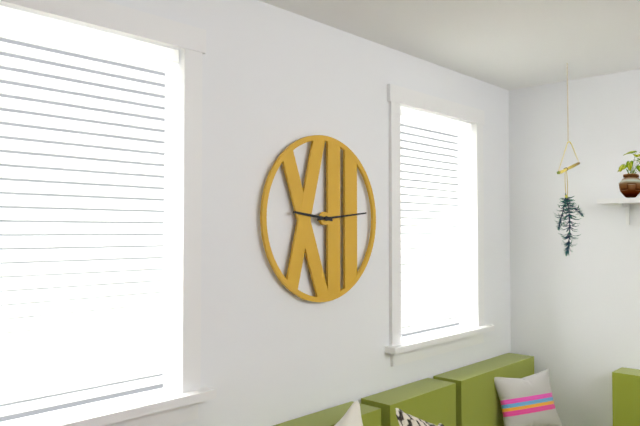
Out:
9.14
